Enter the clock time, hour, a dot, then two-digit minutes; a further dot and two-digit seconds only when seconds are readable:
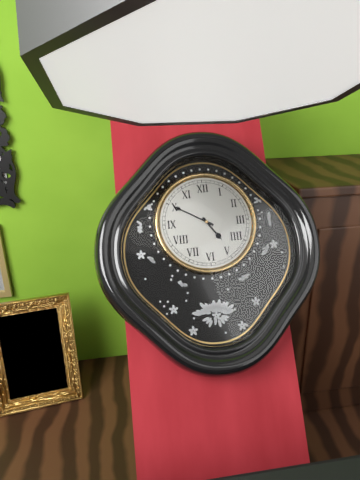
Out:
4.50
